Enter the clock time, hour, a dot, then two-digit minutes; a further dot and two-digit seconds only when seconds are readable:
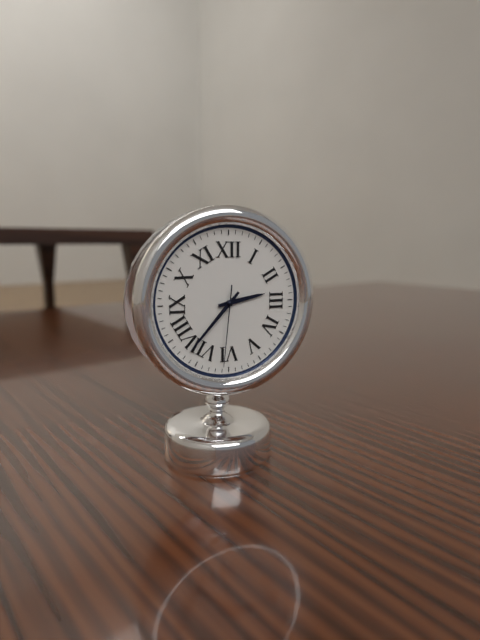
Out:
2.37.31
